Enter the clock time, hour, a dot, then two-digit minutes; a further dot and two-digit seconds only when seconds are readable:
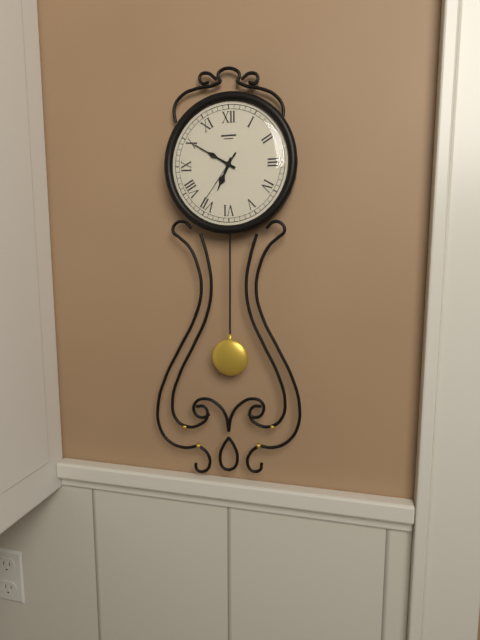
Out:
6.50.36
